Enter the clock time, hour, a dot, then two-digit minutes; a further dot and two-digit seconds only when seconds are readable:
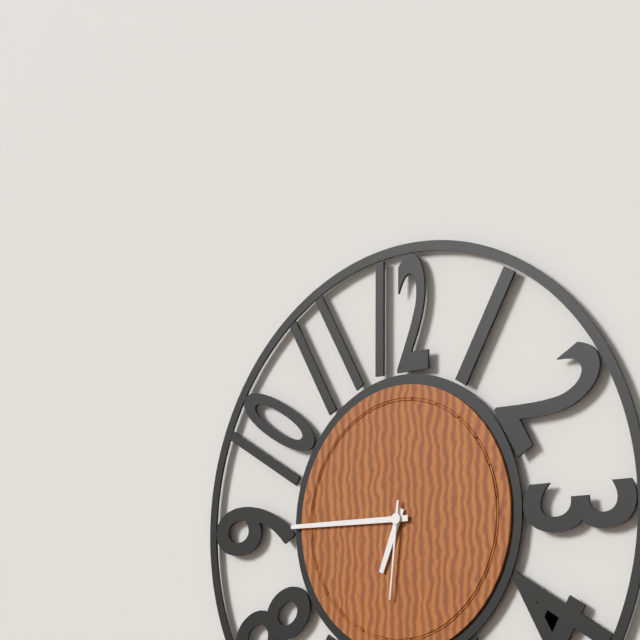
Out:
6.45.31
